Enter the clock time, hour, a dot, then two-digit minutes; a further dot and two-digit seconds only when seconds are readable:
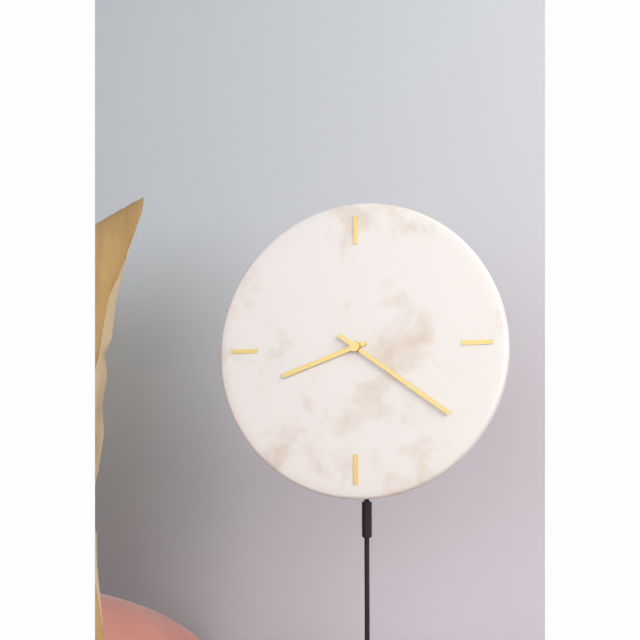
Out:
8.21
